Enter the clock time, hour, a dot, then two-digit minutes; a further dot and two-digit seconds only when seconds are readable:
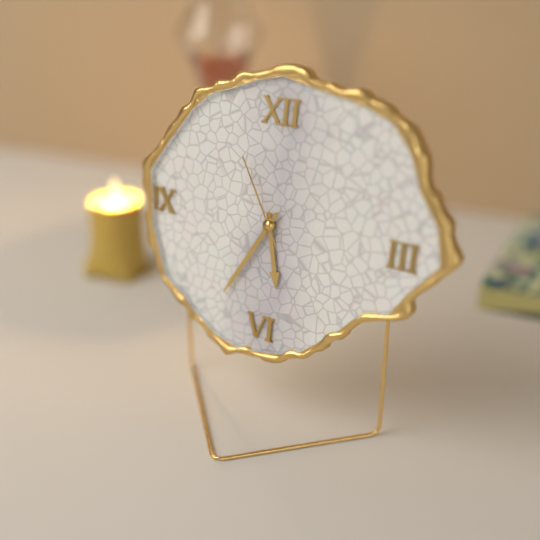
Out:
5.35.55
